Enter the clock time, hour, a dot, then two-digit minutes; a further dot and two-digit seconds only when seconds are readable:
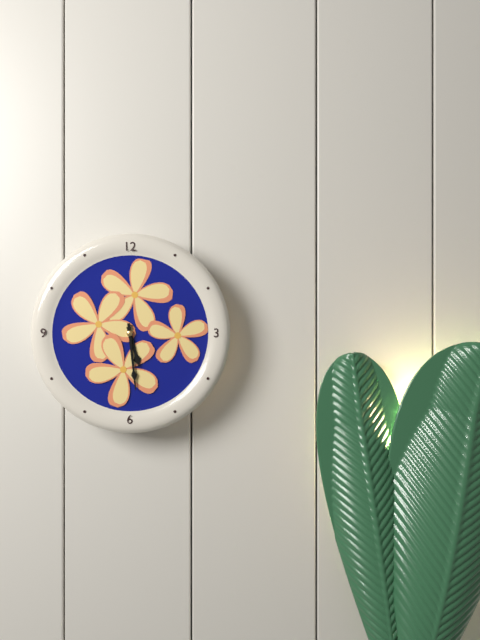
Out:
5.29
